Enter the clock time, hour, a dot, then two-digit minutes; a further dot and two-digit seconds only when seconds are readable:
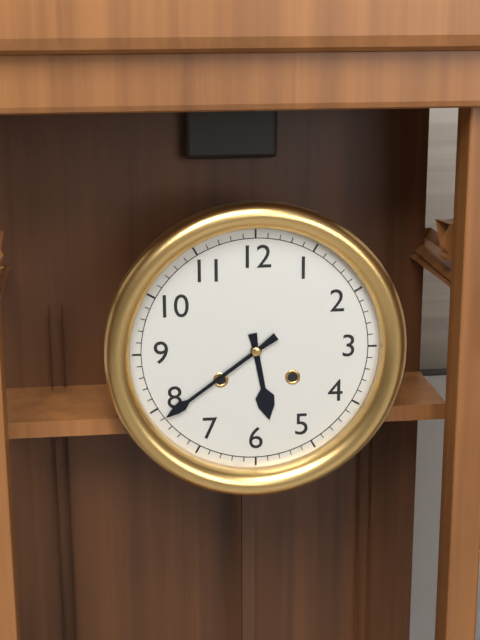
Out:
5.39
